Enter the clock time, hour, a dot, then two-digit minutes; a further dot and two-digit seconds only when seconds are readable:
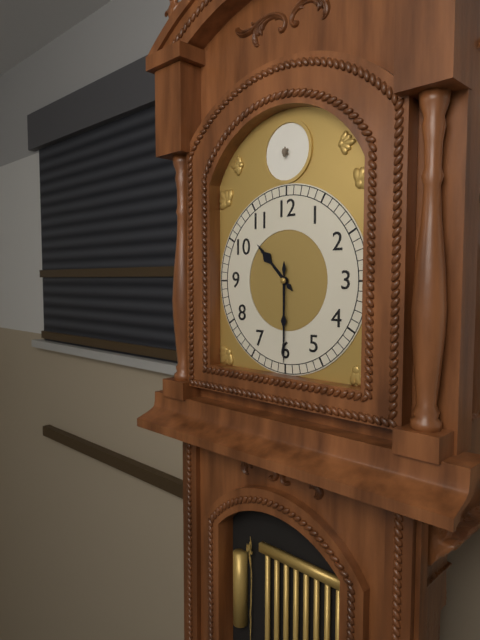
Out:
10.30
